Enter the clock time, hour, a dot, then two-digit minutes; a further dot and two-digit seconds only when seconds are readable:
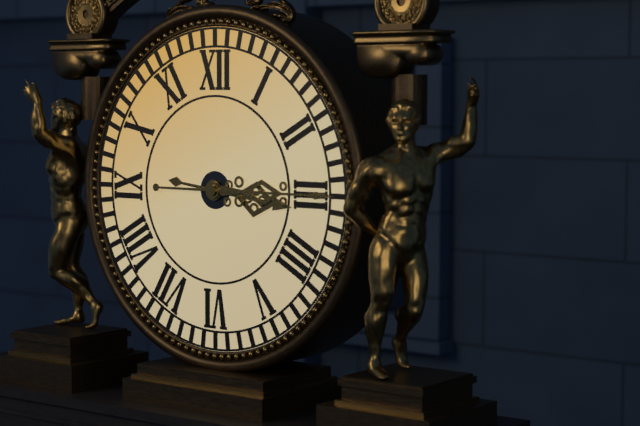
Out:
3.15
